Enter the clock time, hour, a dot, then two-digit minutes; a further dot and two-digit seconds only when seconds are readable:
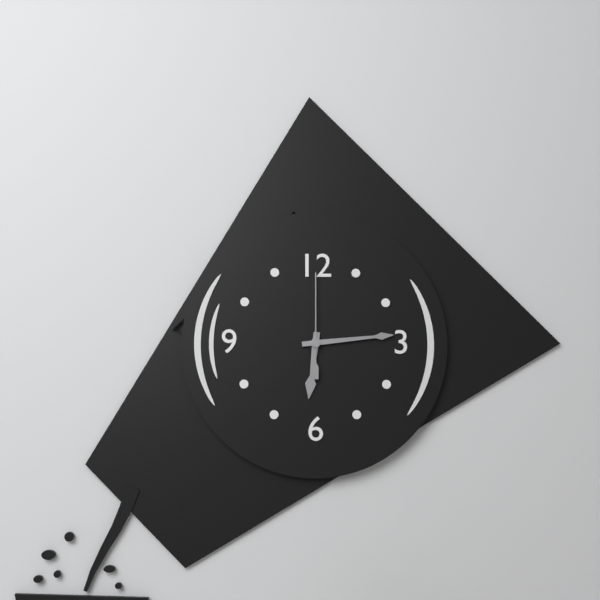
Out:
6.14.00
